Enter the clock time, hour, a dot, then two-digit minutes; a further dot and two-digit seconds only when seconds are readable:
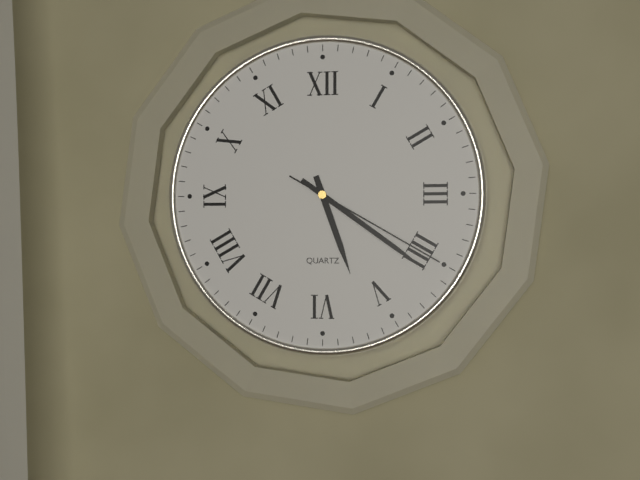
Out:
5.21.20
